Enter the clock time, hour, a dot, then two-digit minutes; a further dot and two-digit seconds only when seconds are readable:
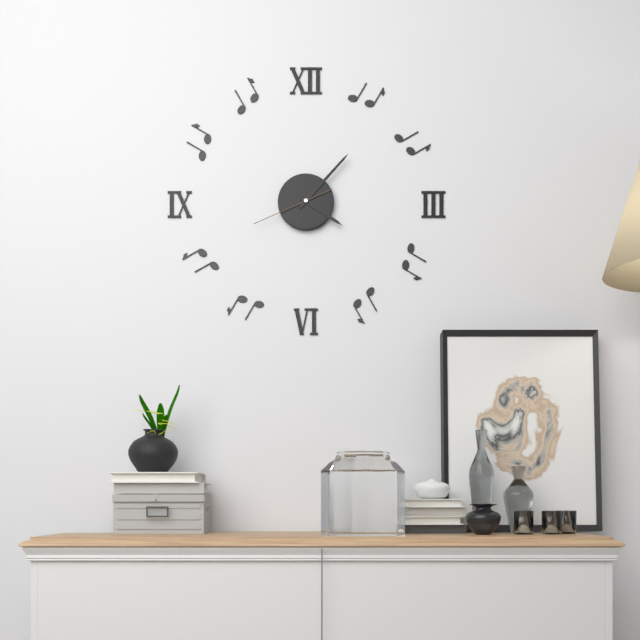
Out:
4.07.41
